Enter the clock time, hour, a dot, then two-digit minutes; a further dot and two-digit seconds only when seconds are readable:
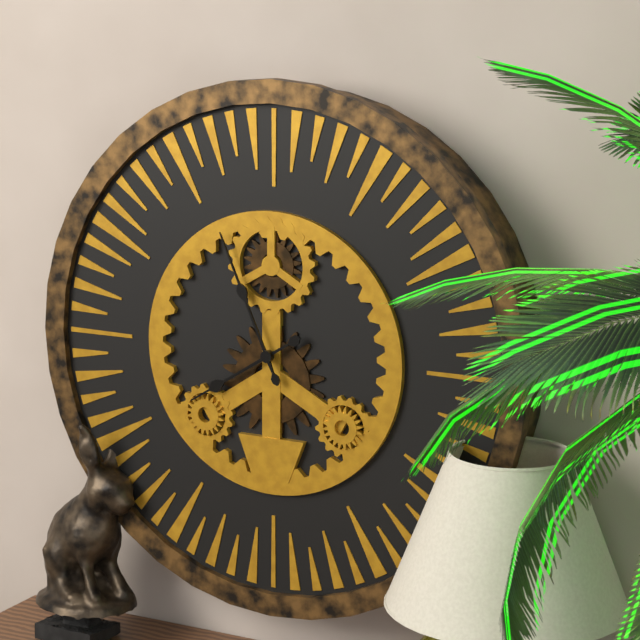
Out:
7.56
